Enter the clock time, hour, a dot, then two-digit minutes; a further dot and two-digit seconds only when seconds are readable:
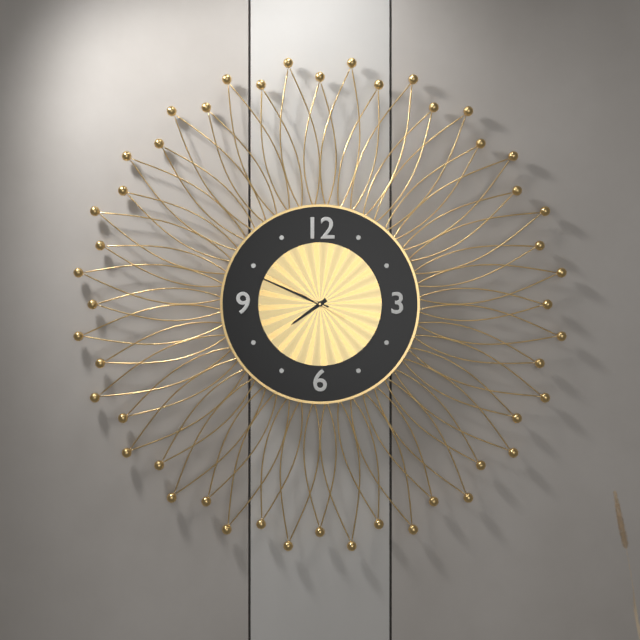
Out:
7.49.50
